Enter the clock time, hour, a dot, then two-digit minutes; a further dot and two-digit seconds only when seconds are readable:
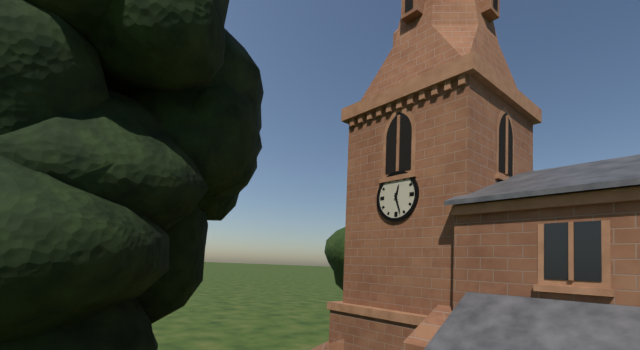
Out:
12.27
